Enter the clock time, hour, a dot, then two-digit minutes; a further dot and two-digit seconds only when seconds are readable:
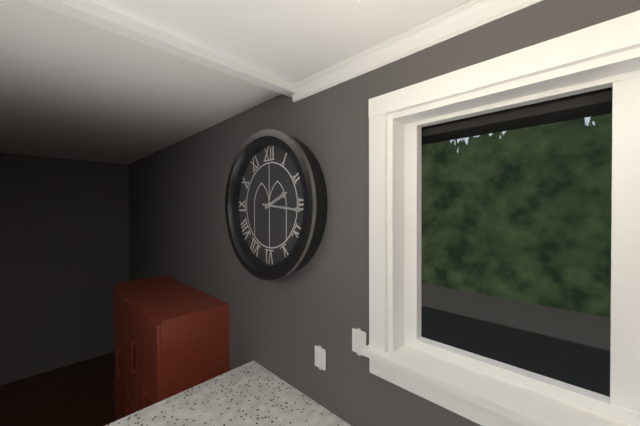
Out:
2.16
